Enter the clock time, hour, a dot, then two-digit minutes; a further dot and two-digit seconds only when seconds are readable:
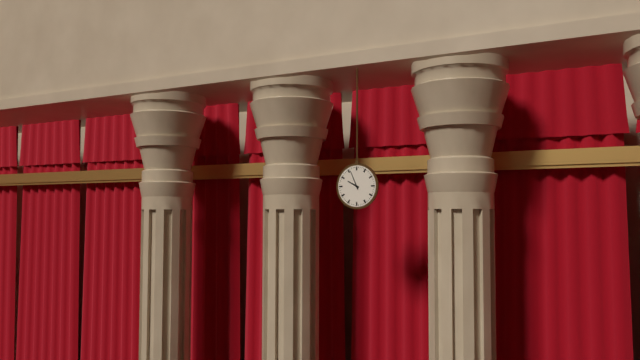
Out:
9.56
